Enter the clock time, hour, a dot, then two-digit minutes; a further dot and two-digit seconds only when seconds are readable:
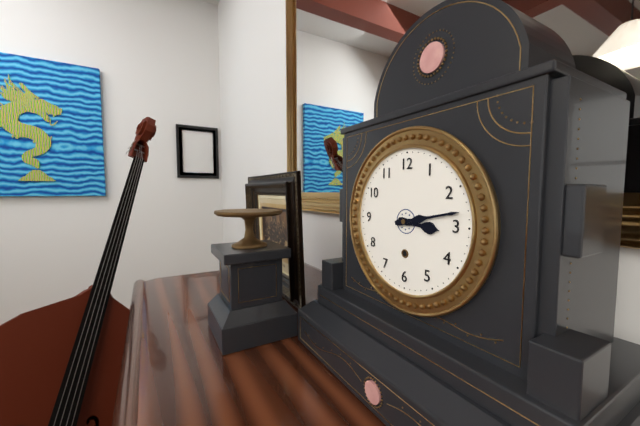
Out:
3.13
